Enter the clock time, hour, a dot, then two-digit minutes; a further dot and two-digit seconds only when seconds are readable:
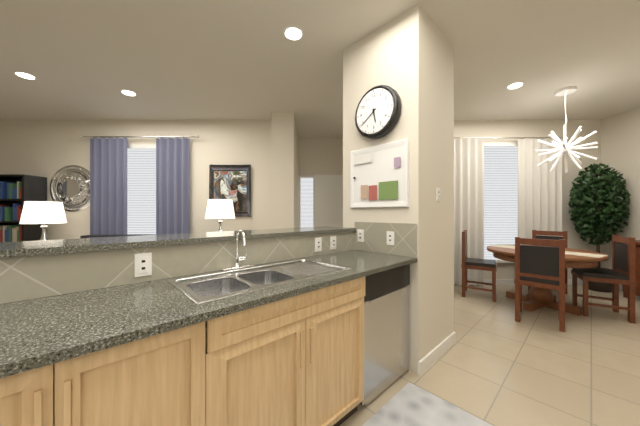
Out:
5.39
